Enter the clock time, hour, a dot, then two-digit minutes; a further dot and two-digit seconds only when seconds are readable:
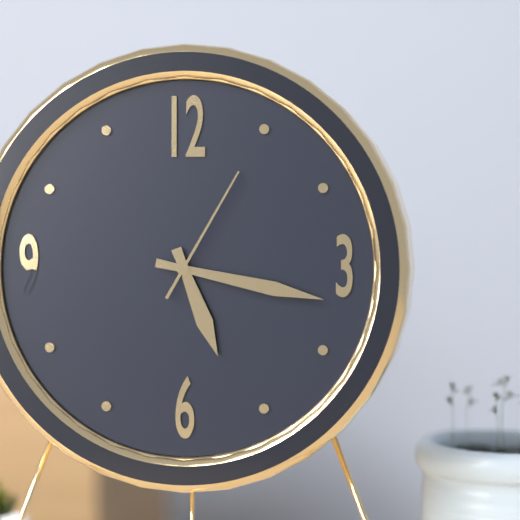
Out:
5.17.05
